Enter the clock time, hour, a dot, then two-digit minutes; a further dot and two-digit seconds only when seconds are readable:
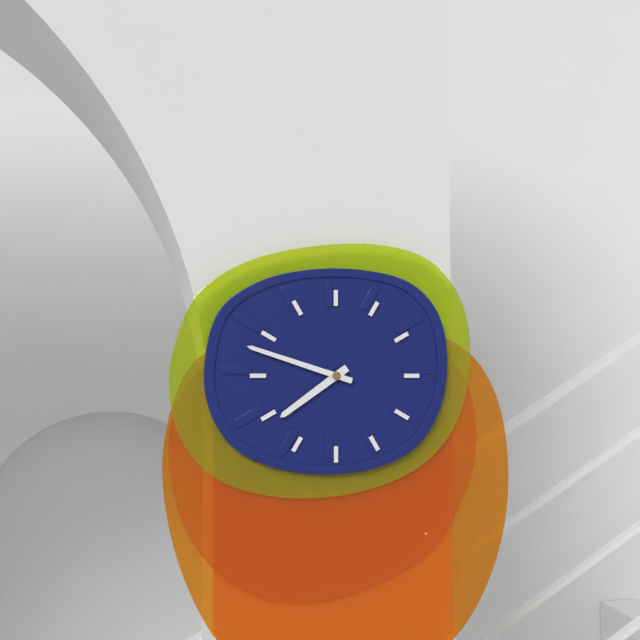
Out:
7.48
